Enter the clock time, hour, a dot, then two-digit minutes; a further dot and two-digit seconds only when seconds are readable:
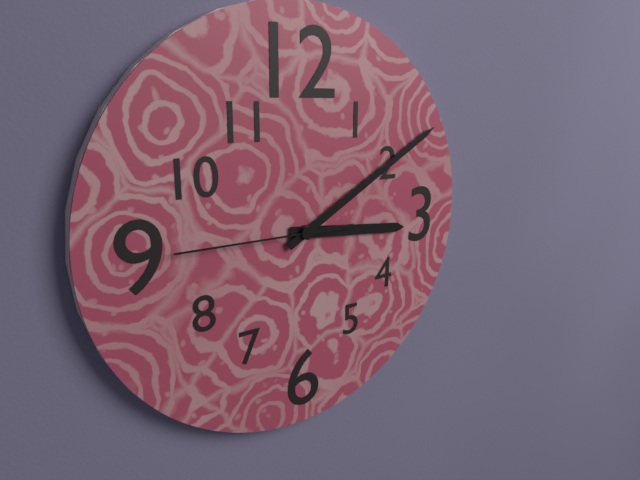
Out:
3.10.45
